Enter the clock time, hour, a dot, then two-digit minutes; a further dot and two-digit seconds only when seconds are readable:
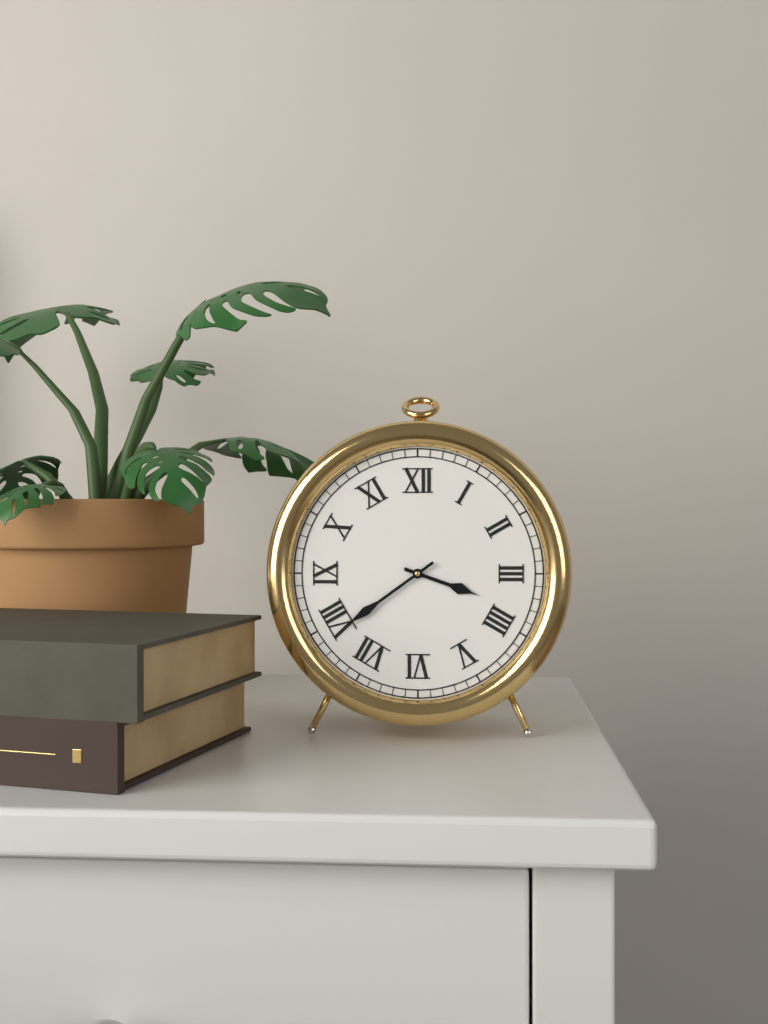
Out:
3.39
